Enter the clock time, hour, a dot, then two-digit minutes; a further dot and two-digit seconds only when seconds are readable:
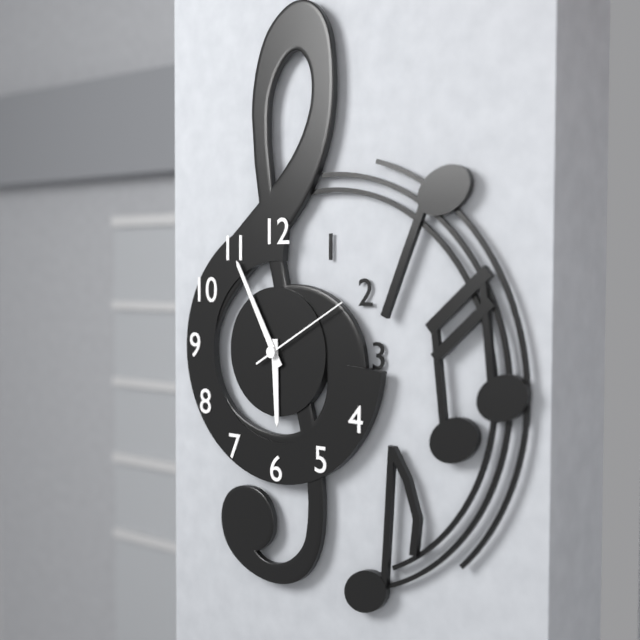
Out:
5.55.10
